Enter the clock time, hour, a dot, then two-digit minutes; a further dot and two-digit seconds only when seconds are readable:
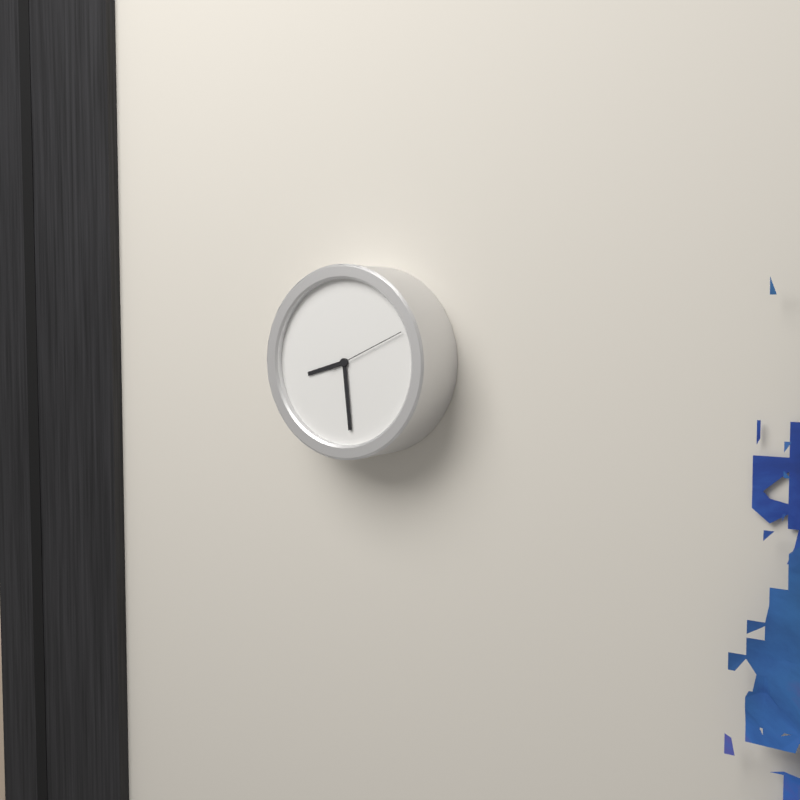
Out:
8.29
